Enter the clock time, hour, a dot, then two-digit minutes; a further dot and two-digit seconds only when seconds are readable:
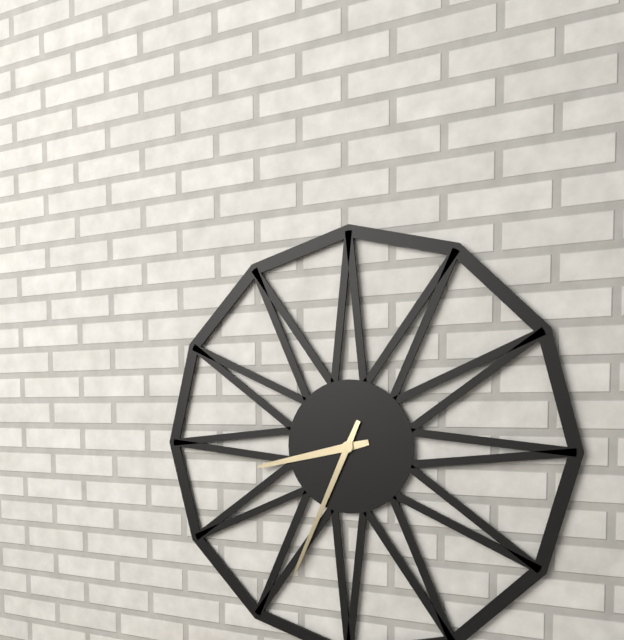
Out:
8.34
